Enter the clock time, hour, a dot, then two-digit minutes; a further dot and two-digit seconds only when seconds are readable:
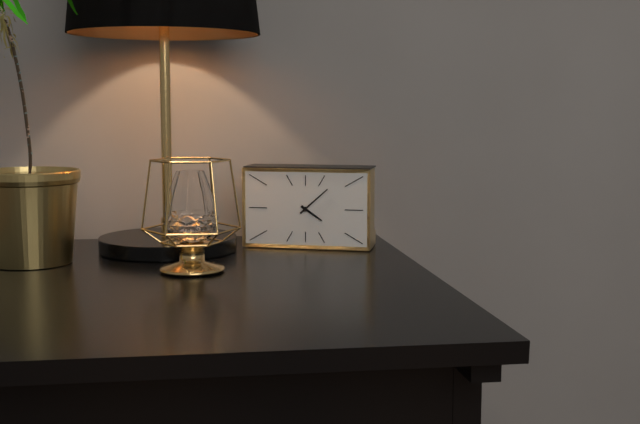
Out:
4.08
